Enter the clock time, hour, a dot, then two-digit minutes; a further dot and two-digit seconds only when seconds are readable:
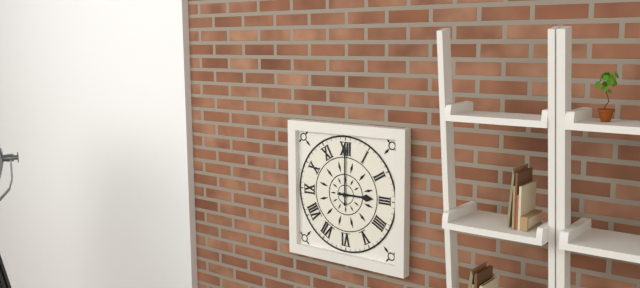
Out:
3.00
